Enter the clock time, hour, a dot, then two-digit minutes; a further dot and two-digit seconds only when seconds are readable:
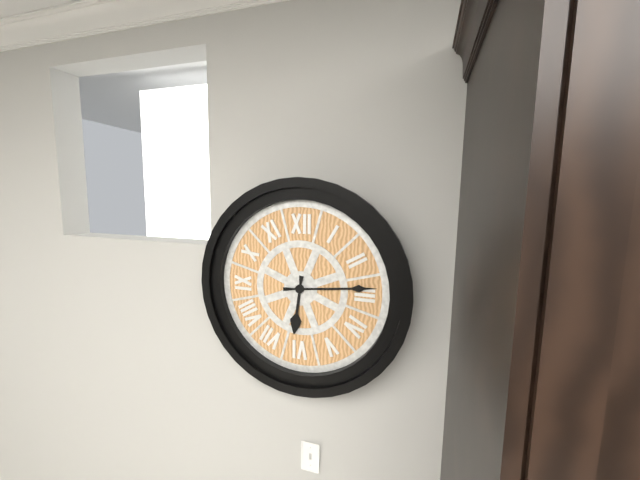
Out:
6.14
